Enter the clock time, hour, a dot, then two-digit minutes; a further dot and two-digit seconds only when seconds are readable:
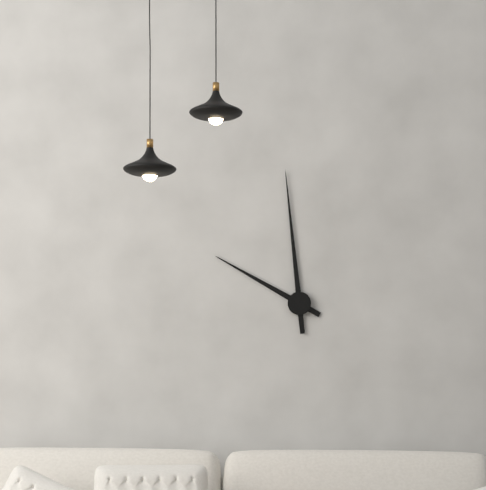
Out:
9.59
